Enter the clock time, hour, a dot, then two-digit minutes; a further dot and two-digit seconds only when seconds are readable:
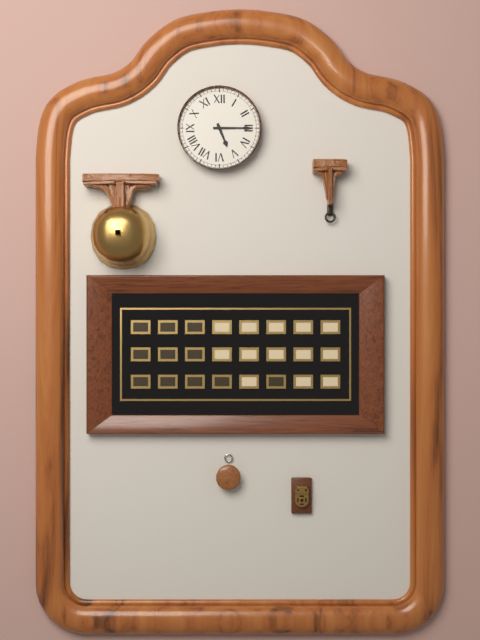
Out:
5.15
